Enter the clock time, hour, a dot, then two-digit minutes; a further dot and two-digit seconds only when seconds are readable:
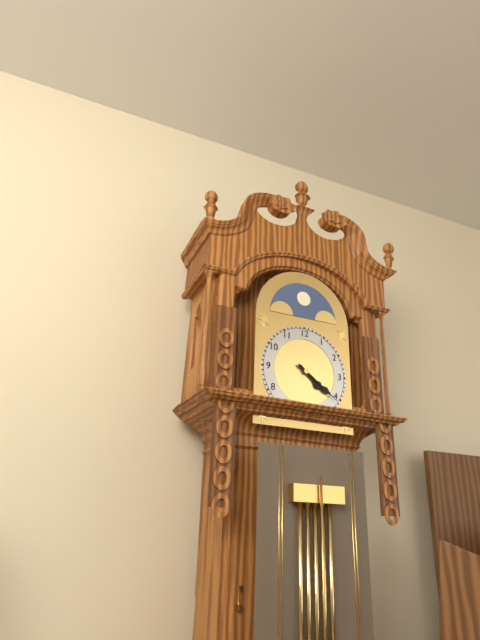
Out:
4.21
